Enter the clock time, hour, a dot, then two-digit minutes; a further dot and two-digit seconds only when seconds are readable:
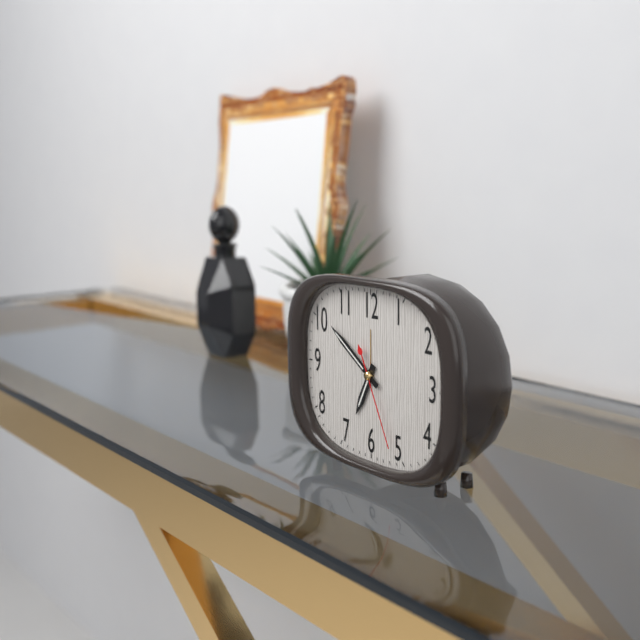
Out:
6.51.26
